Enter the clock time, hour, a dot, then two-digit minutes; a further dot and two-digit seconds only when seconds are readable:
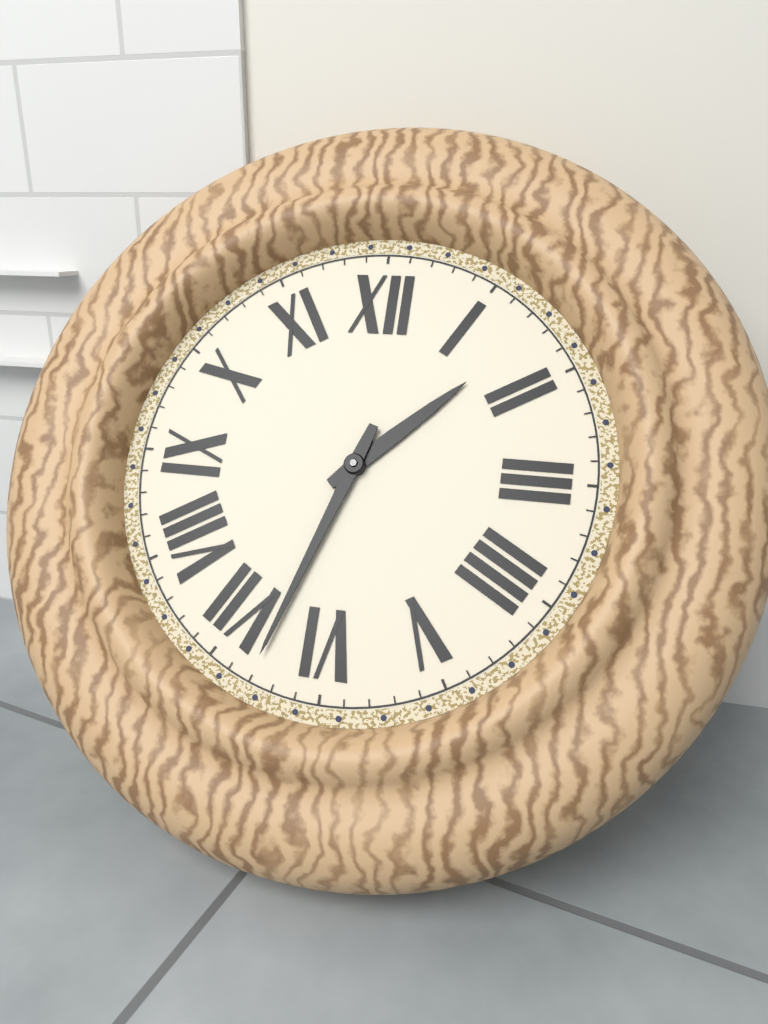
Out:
1.33
